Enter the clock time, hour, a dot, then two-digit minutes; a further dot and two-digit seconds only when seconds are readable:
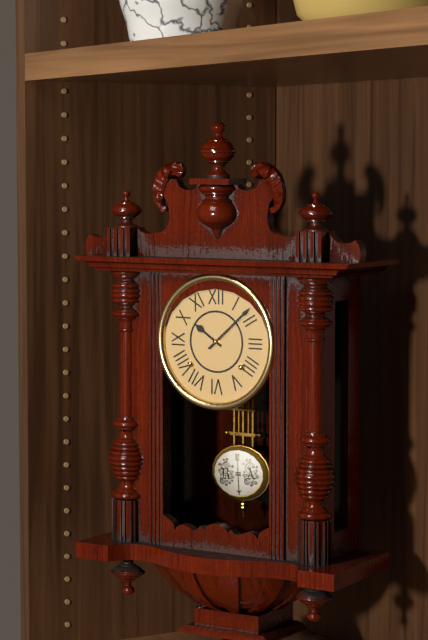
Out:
10.08
